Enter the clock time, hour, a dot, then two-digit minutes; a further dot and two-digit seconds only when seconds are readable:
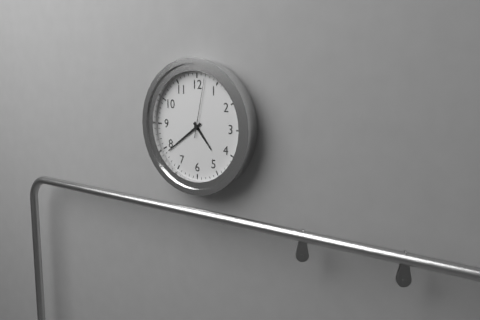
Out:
4.39.02
